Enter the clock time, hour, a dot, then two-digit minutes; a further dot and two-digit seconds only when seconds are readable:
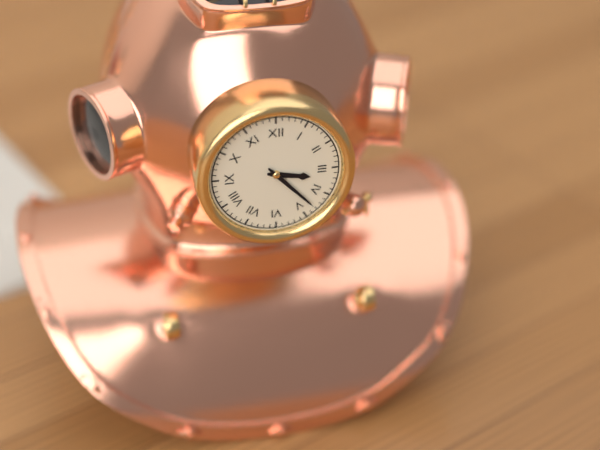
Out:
3.23
